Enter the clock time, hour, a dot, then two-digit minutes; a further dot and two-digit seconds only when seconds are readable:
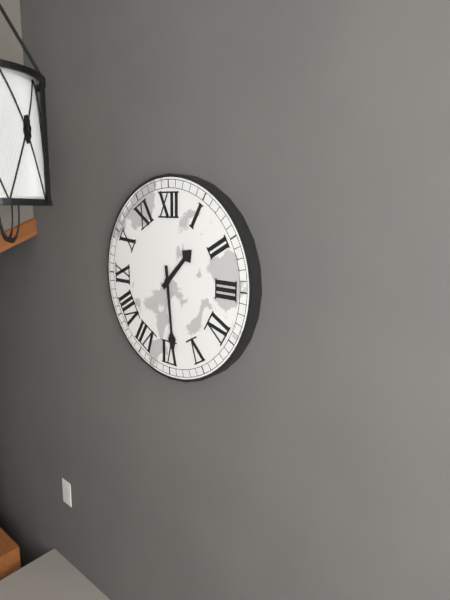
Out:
1.29
